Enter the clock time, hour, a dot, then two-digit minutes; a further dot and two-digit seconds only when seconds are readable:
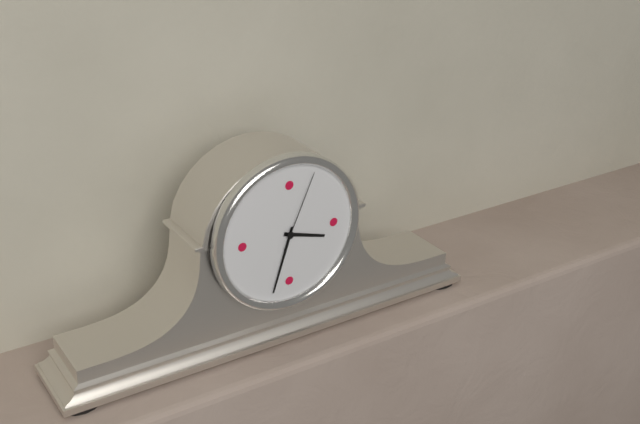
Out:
3.33.04
